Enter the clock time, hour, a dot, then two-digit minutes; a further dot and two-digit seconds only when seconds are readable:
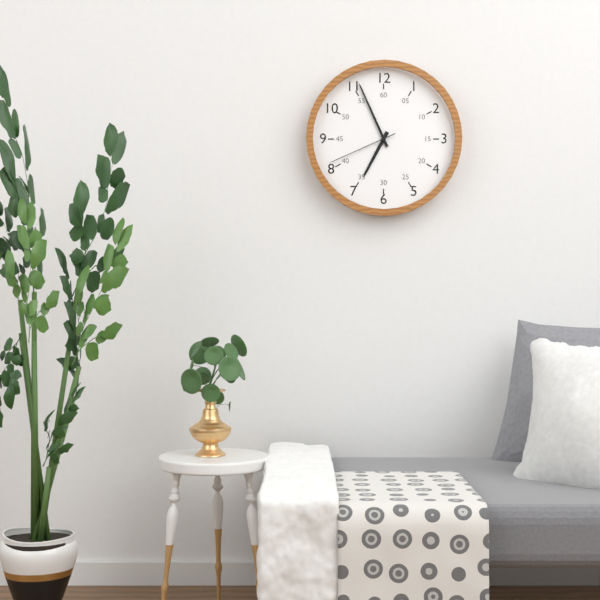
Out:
6.56.41
